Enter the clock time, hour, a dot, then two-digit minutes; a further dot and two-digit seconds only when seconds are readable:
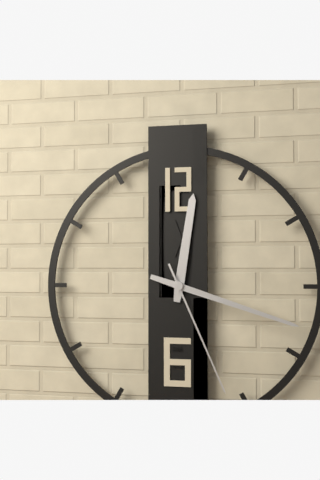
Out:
12.18.26
